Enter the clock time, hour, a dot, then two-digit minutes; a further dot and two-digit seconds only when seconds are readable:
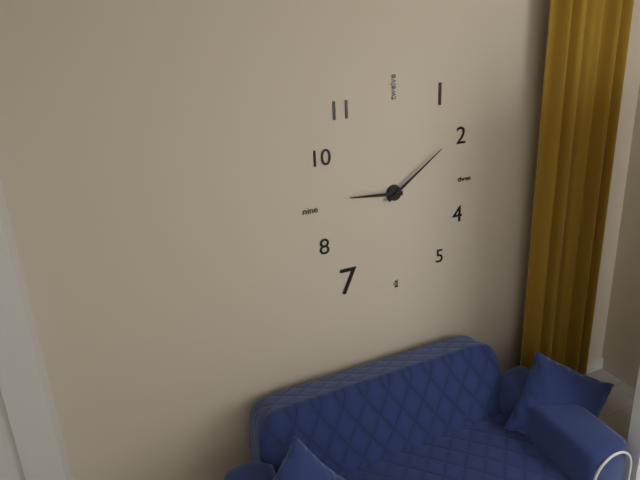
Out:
9.09
